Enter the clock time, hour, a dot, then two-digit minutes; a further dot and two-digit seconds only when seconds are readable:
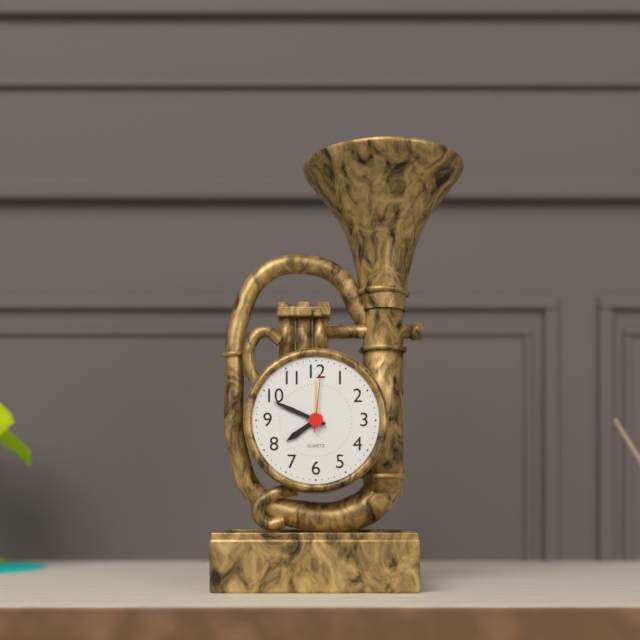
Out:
7.49.01
